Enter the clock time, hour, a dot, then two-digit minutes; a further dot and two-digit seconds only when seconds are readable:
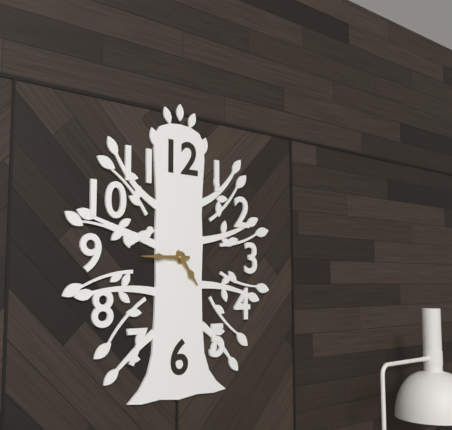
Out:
4.45
